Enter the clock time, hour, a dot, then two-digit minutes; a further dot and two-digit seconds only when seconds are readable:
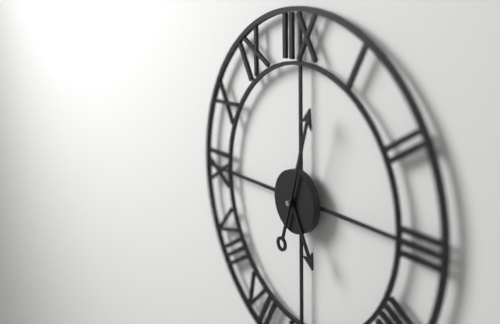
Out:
5.03
